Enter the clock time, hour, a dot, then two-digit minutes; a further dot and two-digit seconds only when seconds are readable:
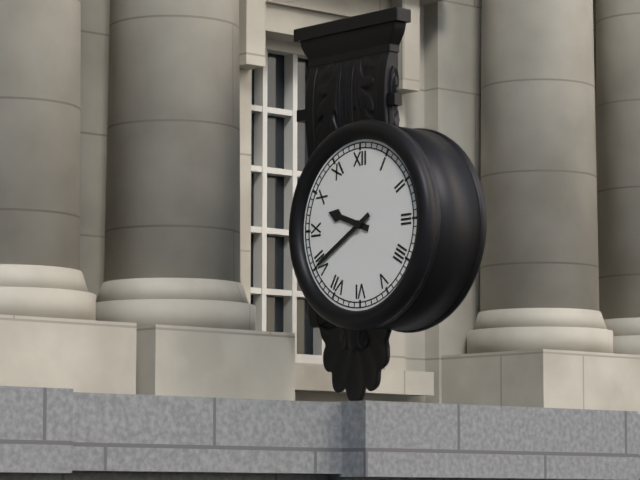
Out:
9.40
